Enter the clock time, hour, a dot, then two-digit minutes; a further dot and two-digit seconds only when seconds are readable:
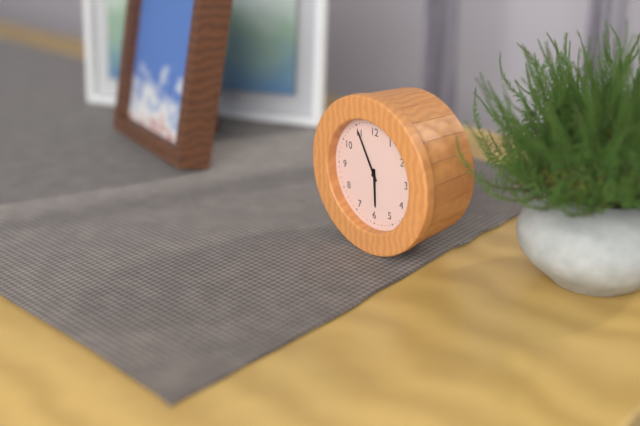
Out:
5.55
